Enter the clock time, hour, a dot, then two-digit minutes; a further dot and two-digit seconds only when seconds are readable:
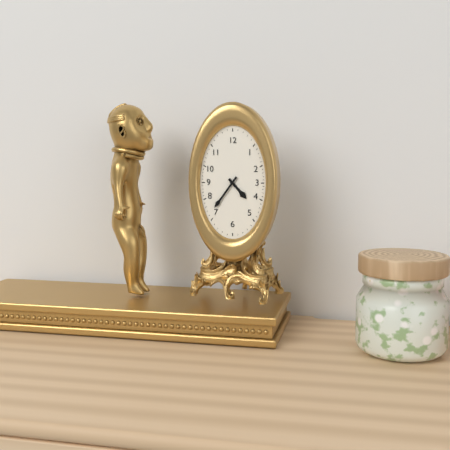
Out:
4.36
